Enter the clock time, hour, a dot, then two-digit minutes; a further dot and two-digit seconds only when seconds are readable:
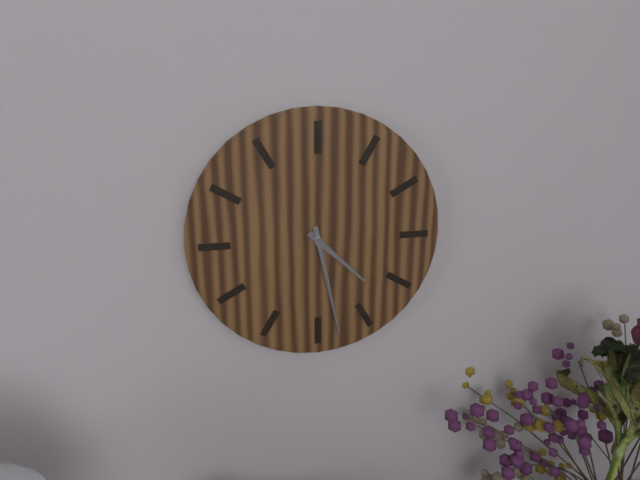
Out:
4.28
